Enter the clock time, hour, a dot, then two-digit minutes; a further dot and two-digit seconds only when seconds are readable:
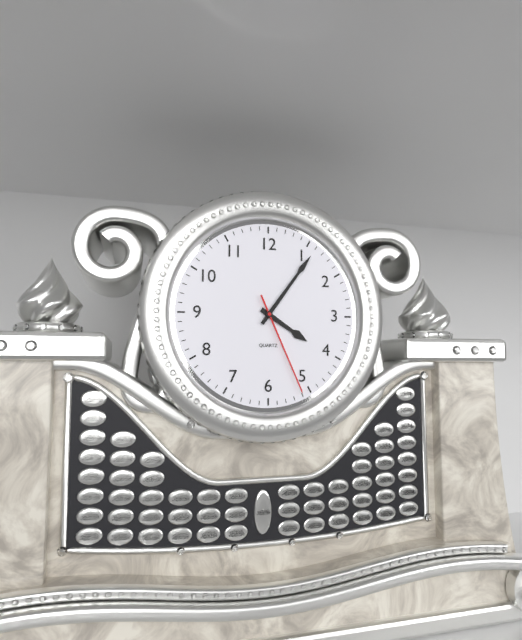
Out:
4.06.26
